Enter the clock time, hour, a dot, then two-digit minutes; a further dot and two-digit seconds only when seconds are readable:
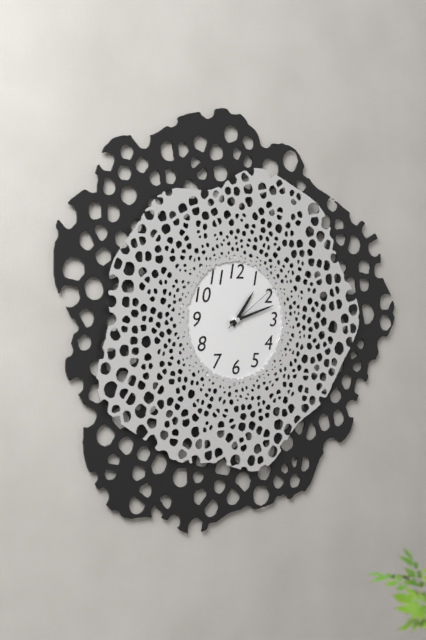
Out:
1.12.09
